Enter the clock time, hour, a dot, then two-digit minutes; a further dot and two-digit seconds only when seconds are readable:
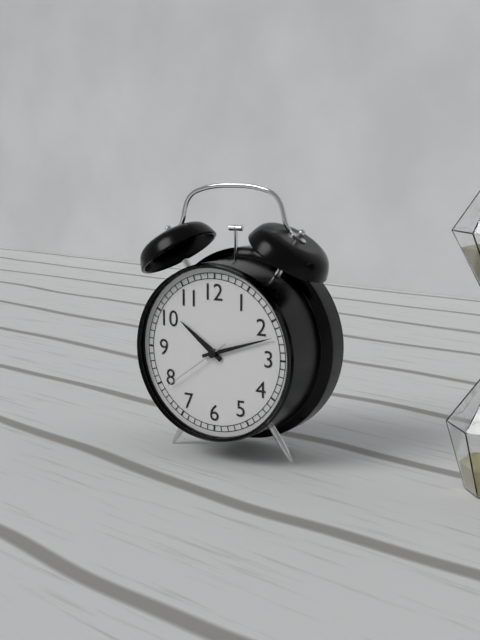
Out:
10.12.39
